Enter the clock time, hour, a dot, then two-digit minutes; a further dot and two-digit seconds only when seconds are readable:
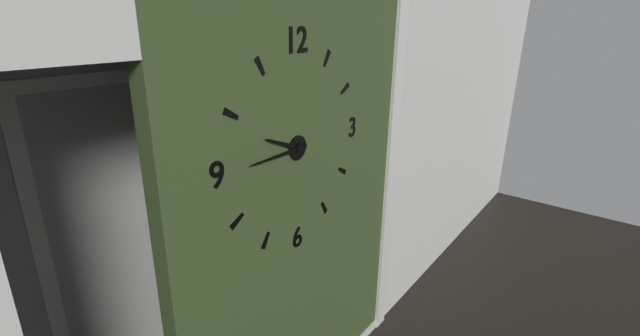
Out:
9.45
